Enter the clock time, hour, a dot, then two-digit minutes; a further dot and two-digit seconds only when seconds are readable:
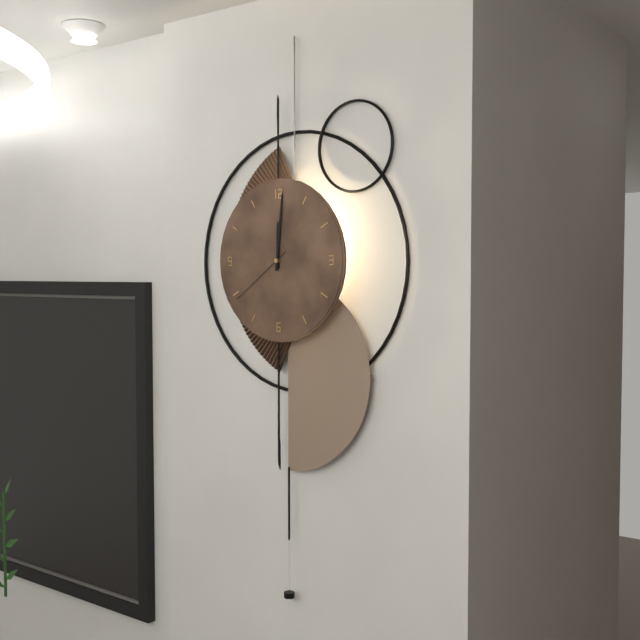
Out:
12.01.39
